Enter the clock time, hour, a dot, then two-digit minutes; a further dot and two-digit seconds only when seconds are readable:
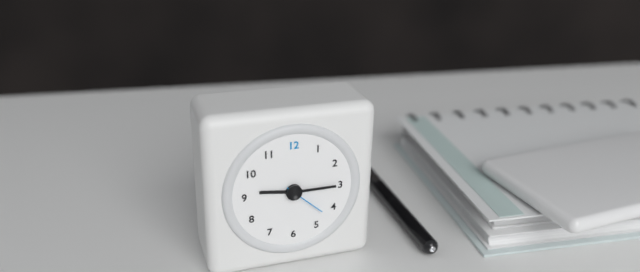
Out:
9.15
